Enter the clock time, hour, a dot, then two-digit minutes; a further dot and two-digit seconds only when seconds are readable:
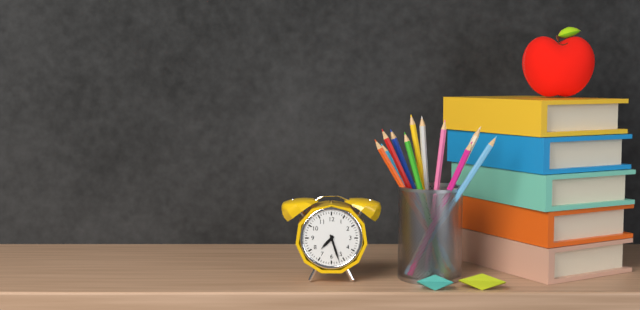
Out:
7.27
